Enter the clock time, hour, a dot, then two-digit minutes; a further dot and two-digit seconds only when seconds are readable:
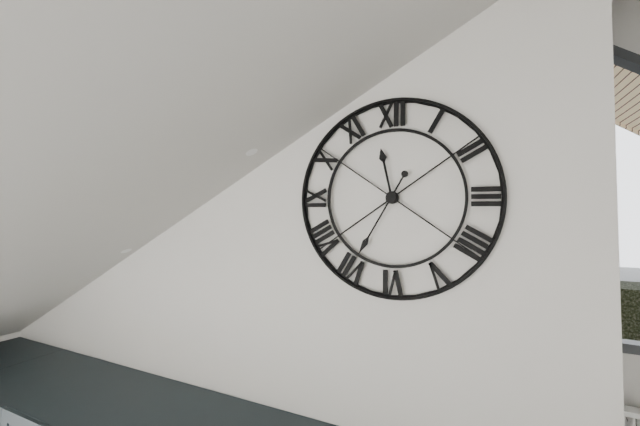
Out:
11.35
